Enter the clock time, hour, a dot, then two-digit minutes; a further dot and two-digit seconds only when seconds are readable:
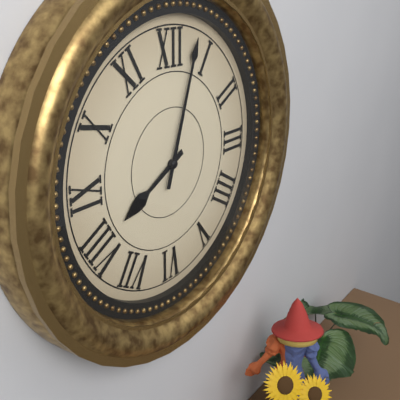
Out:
8.03
